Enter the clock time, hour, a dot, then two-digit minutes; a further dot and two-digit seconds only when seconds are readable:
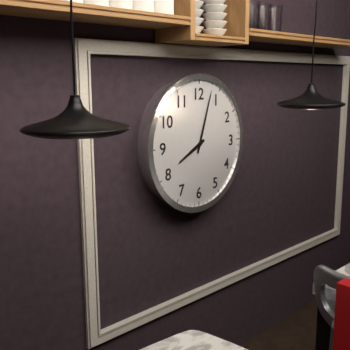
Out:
8.03
